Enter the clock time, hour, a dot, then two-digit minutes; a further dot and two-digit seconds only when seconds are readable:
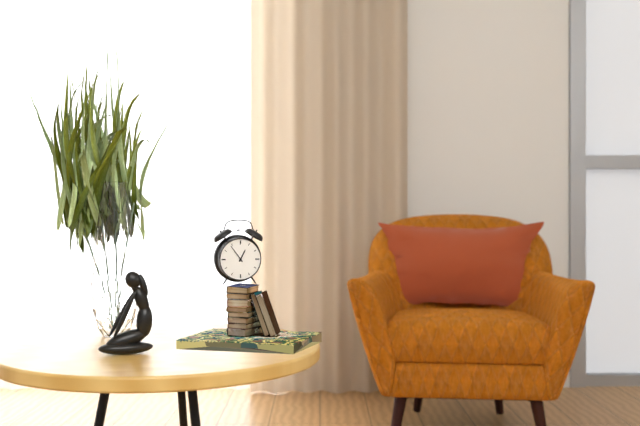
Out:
12.54
